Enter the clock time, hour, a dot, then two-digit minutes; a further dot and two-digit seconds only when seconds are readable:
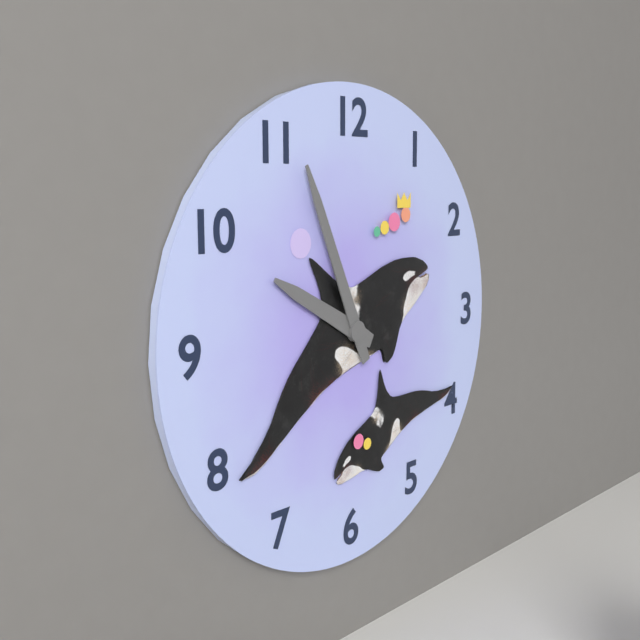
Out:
9.56
